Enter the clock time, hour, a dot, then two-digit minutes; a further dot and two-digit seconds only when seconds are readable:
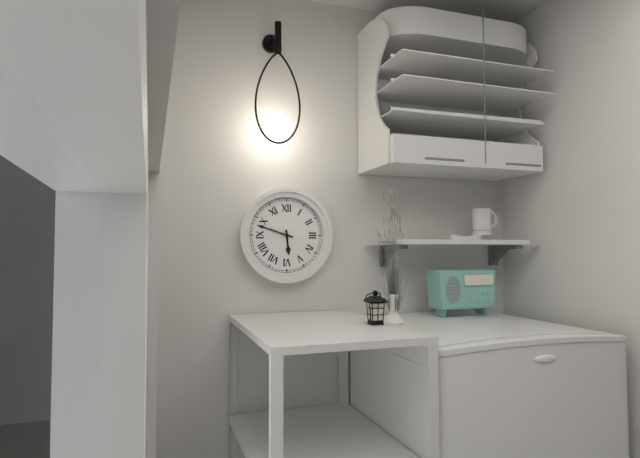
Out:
5.48
